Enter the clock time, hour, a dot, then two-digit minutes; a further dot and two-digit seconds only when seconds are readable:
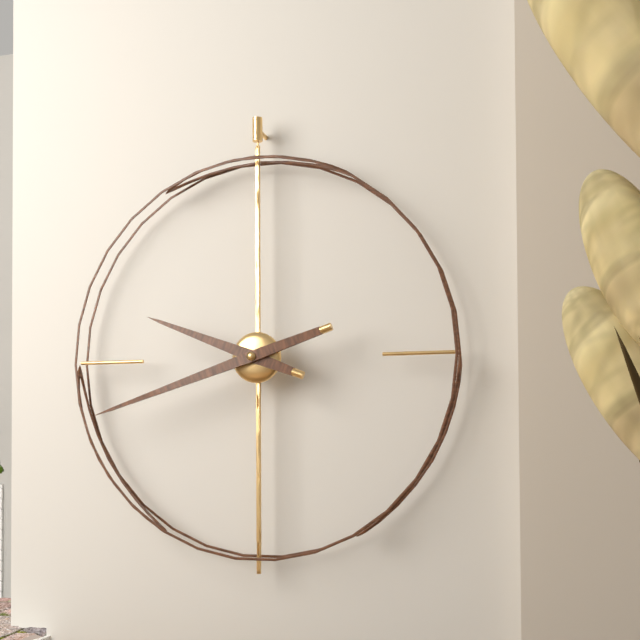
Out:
9.42
